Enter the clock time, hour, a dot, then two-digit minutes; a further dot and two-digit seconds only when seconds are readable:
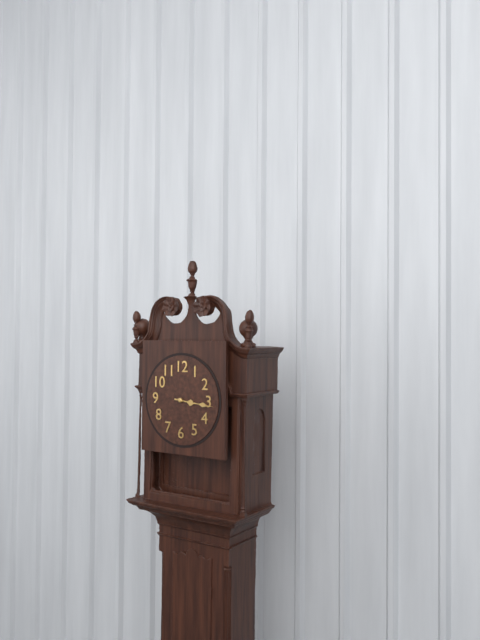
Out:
3.16
